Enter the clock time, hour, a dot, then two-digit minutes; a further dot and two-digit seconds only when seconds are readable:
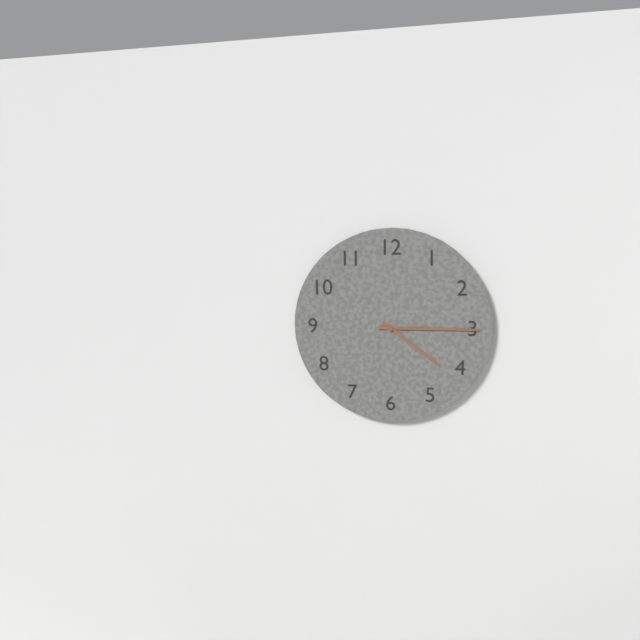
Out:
4.15
